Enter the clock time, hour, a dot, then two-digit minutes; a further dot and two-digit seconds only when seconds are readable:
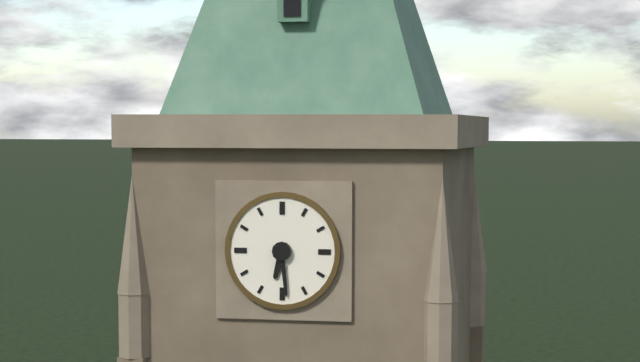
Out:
6.29
